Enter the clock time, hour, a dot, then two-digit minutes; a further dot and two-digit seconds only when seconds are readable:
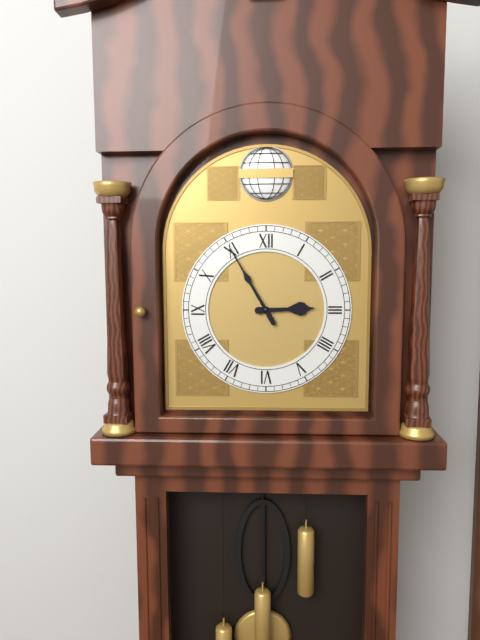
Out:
2.55
